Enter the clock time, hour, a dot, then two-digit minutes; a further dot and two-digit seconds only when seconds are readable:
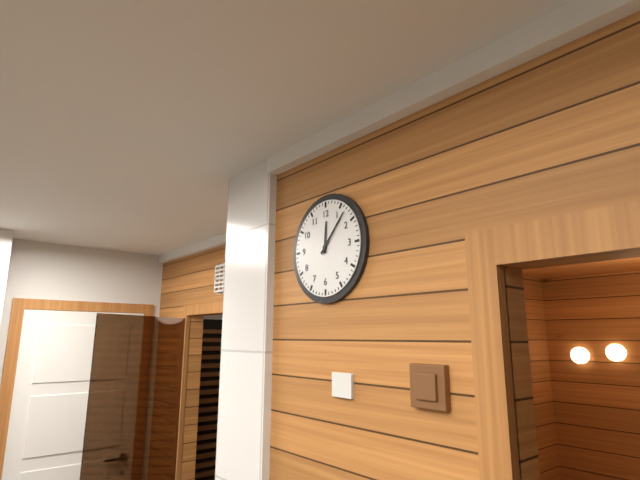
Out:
12.07
